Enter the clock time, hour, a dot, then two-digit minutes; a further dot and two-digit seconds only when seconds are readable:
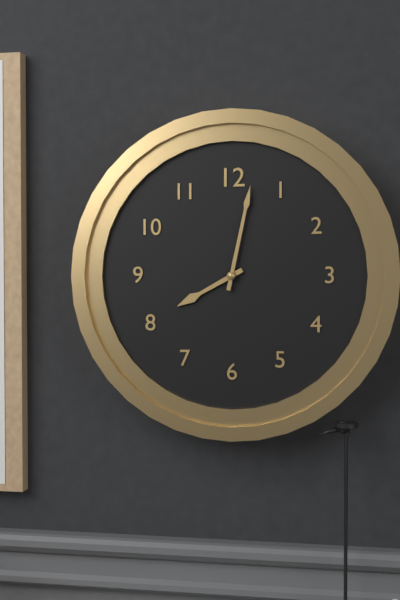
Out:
8.02
